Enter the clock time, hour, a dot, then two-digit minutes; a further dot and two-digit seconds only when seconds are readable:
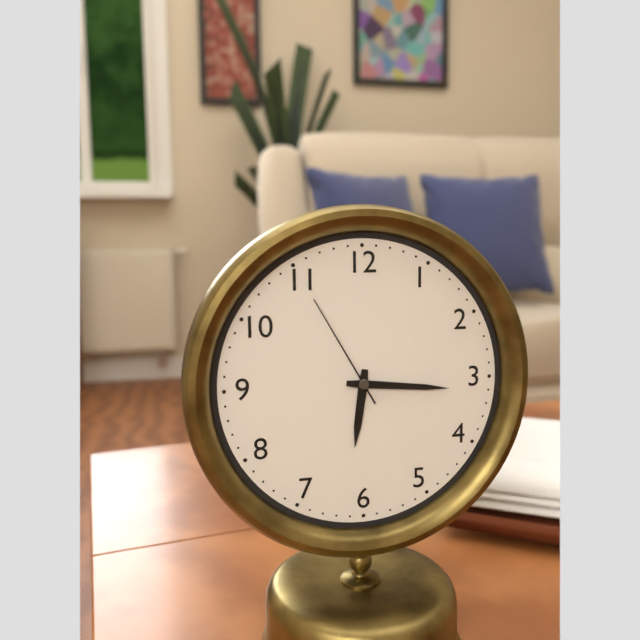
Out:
6.16.55
